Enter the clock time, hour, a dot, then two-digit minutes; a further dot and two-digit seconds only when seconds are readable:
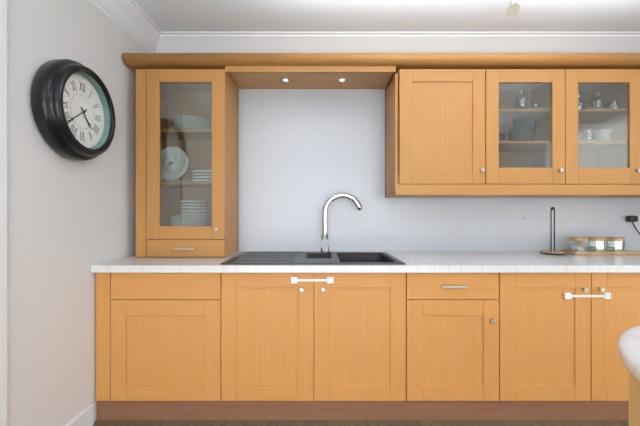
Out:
4.39
